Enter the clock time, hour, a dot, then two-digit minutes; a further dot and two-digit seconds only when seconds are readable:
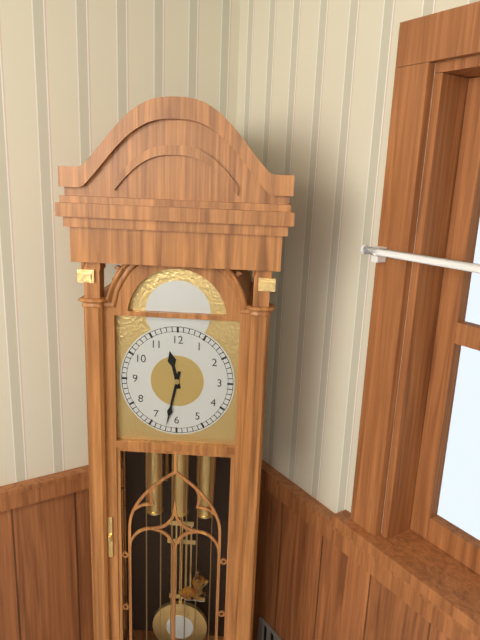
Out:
11.32
